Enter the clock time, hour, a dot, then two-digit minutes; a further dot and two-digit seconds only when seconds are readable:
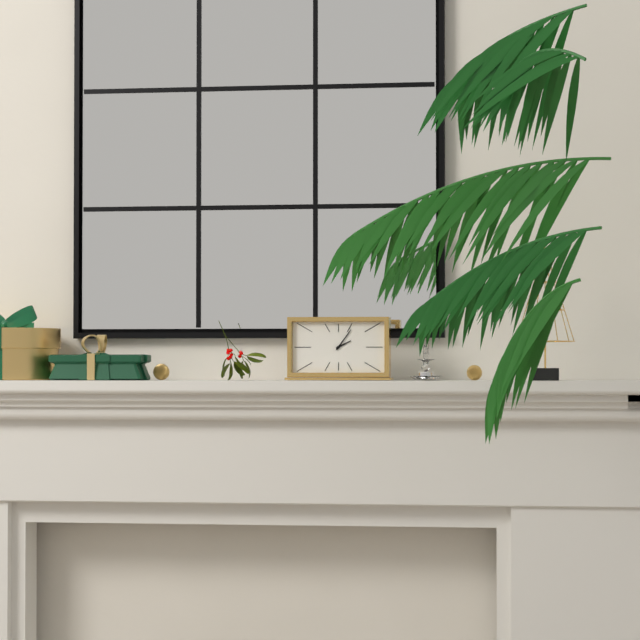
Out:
2.06
